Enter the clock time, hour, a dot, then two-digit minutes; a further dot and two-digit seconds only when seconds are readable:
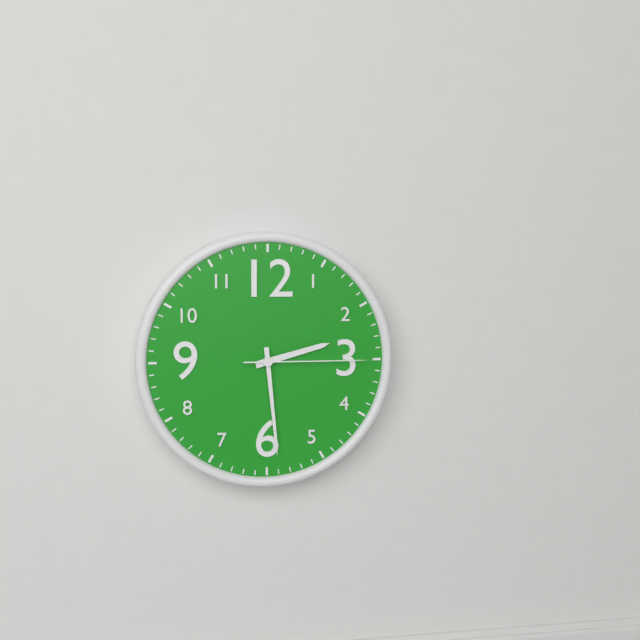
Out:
2.29.15
